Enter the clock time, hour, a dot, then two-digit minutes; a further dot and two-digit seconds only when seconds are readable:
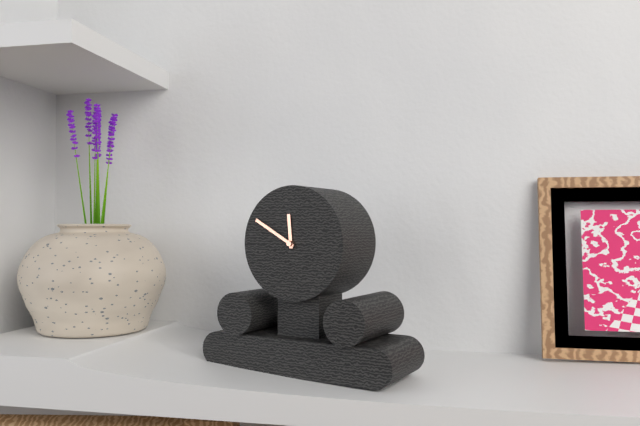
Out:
11.50
